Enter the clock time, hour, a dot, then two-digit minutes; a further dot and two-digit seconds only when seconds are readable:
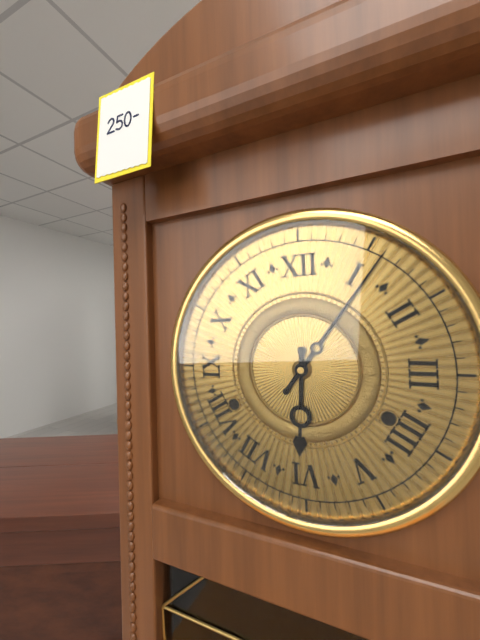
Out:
6.06
